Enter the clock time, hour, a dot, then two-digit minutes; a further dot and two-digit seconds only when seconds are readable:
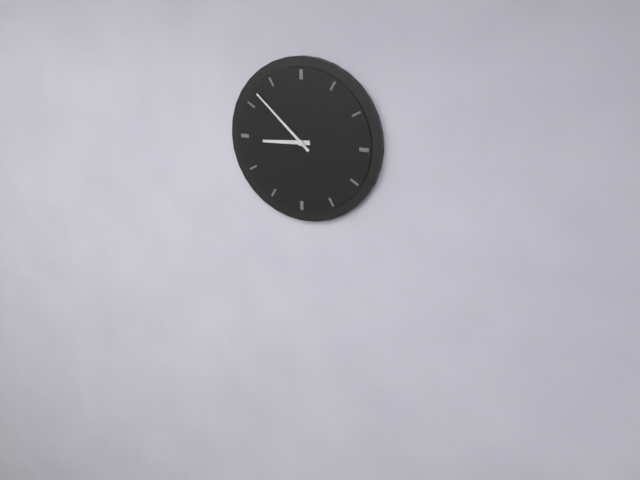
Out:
8.52
